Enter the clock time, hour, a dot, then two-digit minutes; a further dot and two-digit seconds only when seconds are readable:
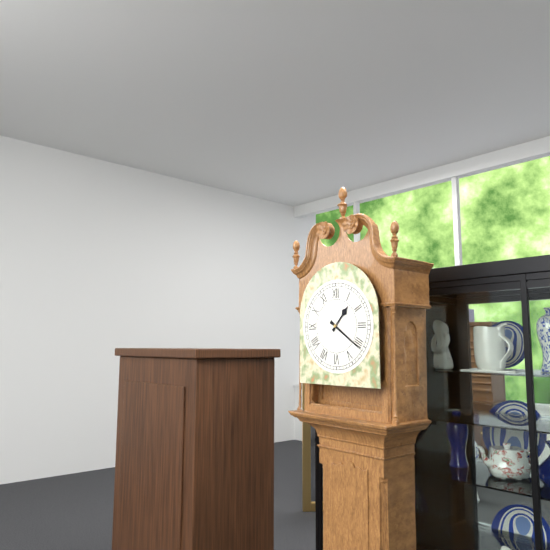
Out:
1.21
